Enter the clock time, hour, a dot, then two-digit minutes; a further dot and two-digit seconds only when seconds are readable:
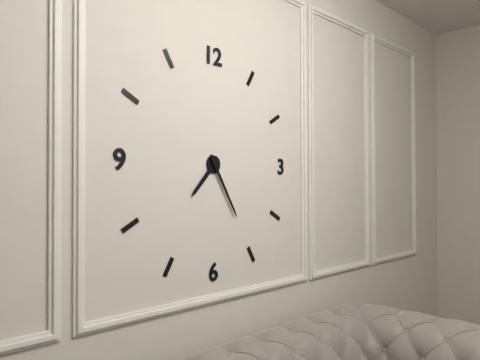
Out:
7.25
